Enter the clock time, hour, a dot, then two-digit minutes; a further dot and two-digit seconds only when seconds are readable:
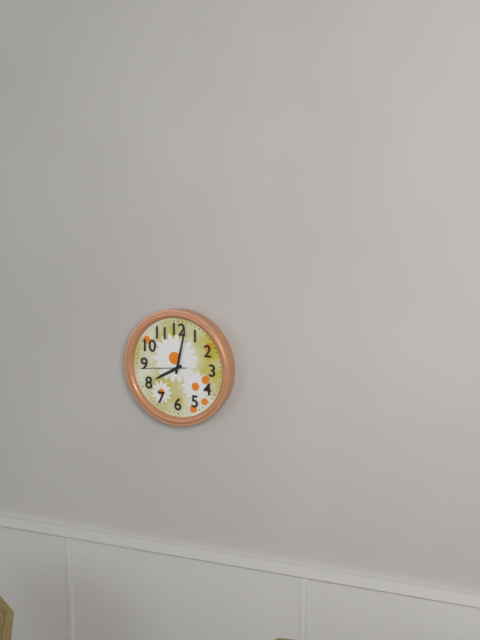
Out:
8.02
